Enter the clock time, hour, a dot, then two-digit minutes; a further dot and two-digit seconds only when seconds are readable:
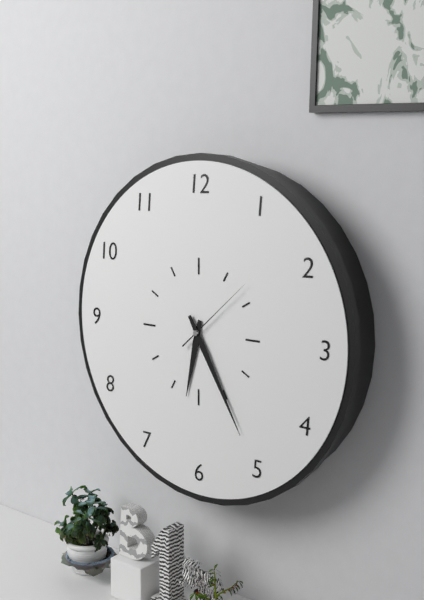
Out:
6.25.08
